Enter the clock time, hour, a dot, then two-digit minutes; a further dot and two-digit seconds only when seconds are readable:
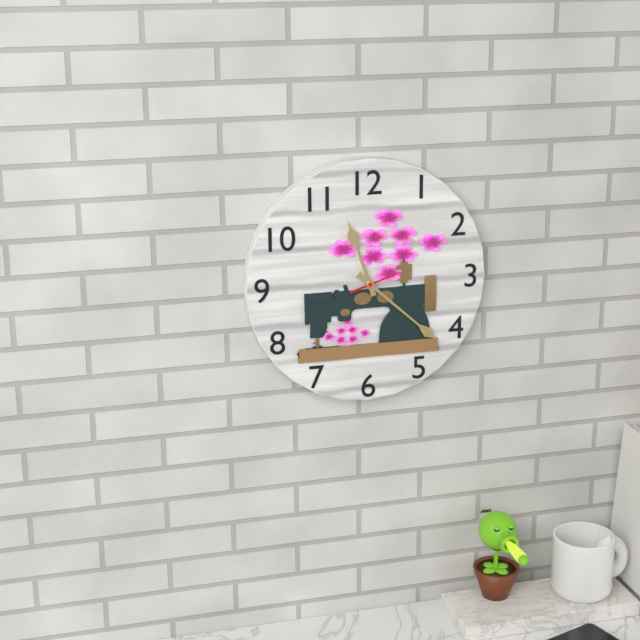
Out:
11.22
